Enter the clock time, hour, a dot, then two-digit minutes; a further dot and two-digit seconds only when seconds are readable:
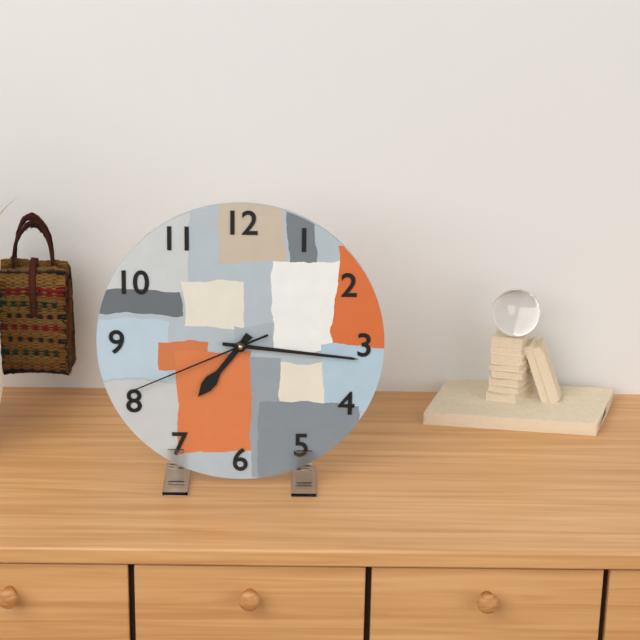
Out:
7.16.41
